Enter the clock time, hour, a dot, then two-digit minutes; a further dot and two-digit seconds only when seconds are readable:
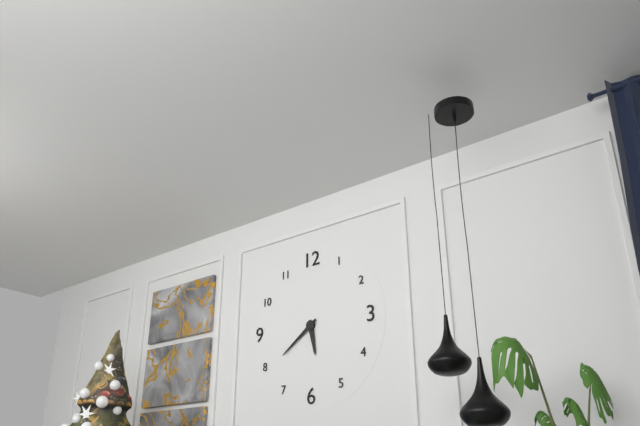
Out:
5.39
